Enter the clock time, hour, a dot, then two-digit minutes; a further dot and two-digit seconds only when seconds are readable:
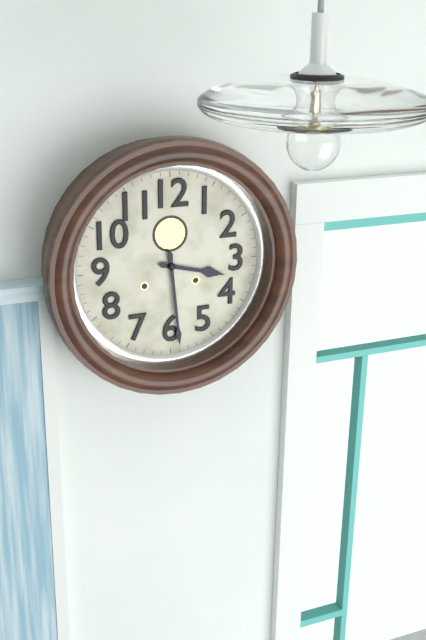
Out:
3.29
